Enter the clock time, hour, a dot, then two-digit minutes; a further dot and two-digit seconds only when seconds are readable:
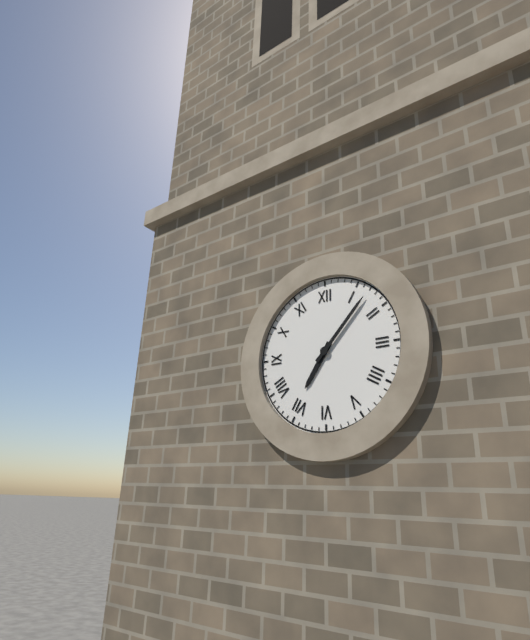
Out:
7.07
